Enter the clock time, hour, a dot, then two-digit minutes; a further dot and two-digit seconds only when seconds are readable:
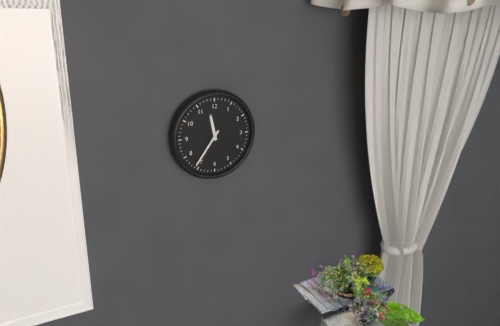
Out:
11.36
